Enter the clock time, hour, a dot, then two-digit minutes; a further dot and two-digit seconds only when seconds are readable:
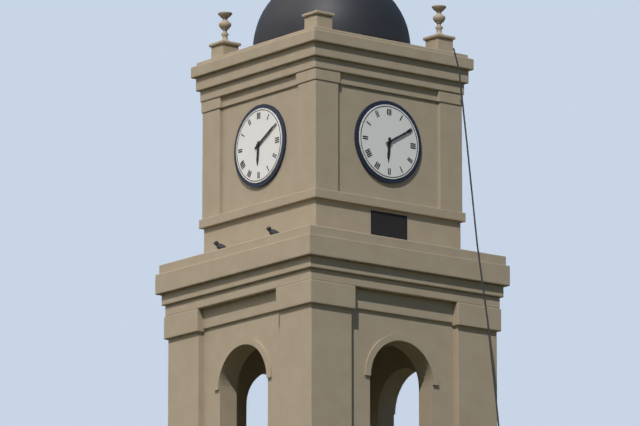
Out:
6.10
